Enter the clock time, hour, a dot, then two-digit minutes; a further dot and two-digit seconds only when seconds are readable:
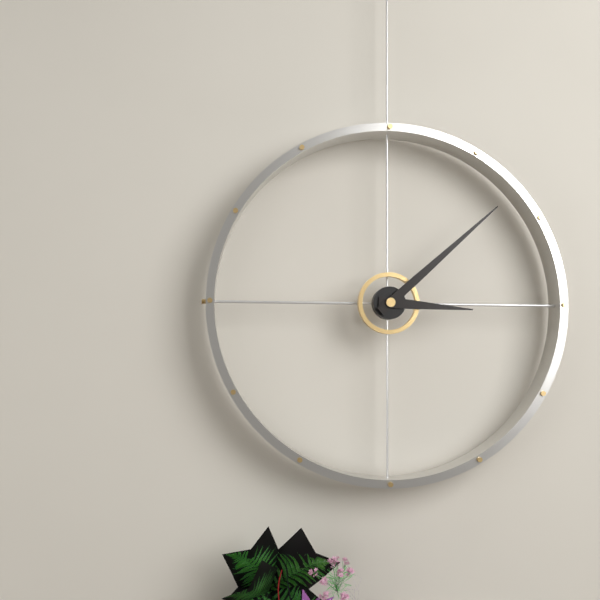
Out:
3.08
